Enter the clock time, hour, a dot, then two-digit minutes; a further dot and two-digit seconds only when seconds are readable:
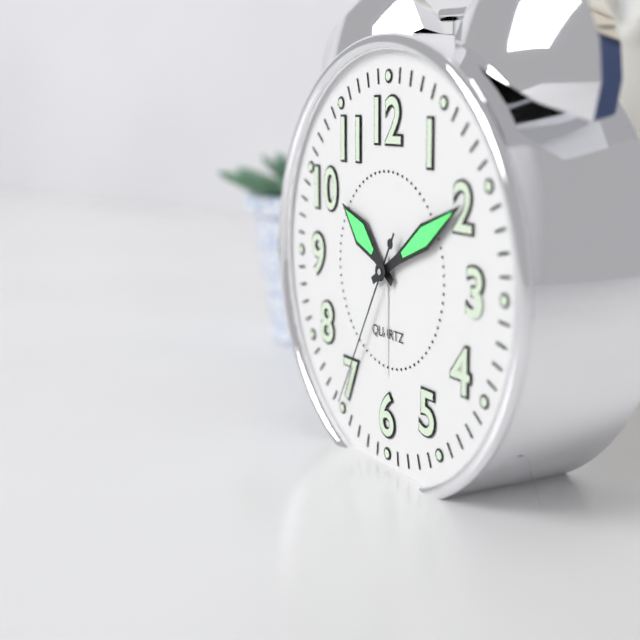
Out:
10.10.35
